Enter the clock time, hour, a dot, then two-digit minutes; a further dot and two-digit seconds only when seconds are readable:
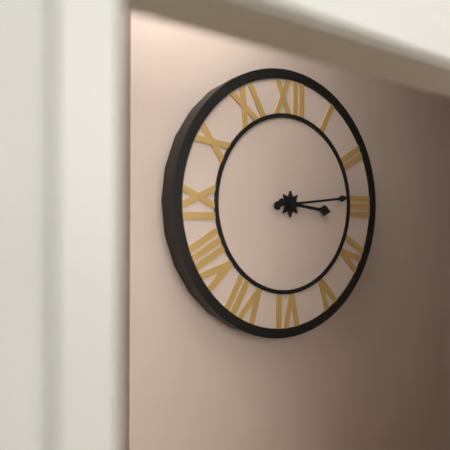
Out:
3.14
